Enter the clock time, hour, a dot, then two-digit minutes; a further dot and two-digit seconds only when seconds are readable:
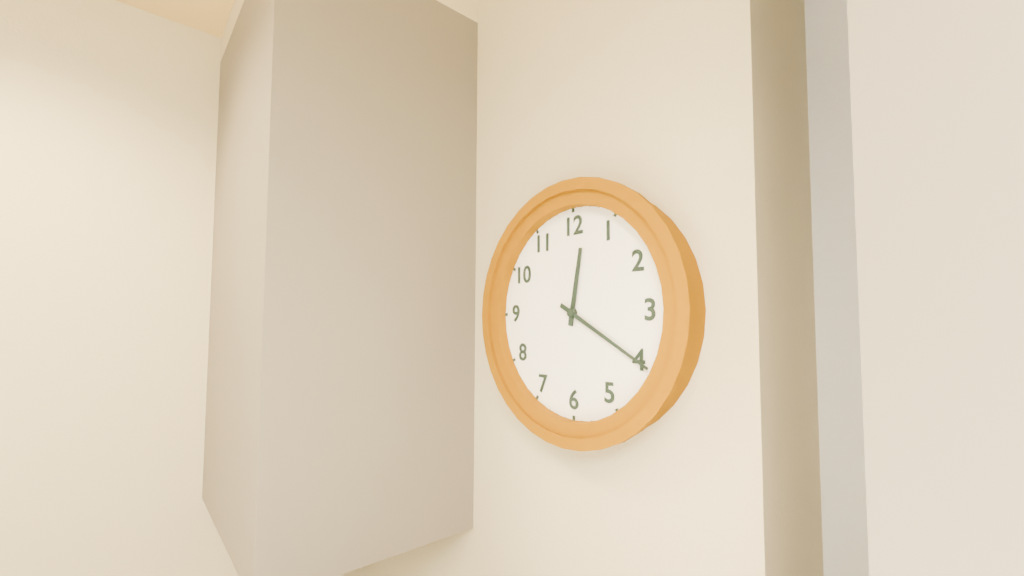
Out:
12.20
